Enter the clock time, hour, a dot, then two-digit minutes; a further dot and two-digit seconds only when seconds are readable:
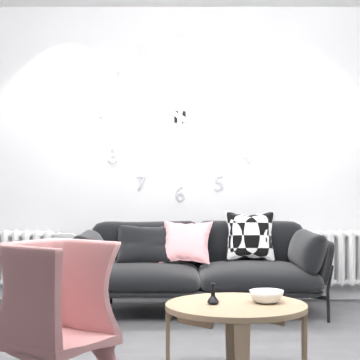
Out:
10.01
